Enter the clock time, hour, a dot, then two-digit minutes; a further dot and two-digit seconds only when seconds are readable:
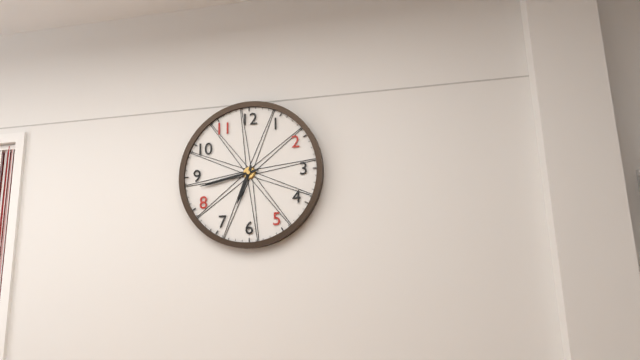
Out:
6.43
